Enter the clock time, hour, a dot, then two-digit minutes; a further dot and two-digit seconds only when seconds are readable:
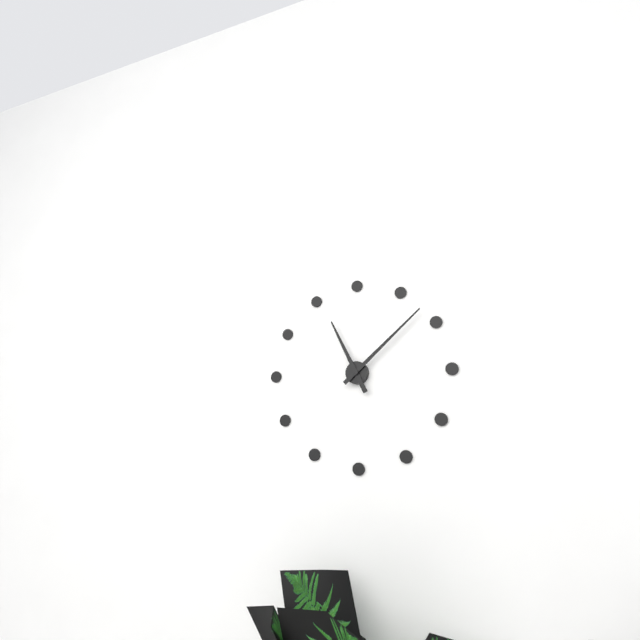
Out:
11.08
